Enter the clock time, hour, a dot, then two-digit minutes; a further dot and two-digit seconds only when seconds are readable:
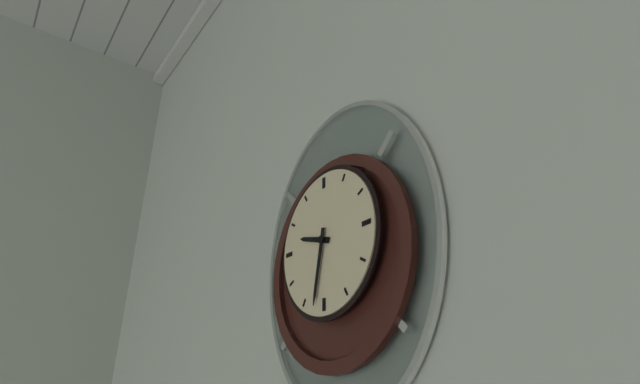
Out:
9.32
